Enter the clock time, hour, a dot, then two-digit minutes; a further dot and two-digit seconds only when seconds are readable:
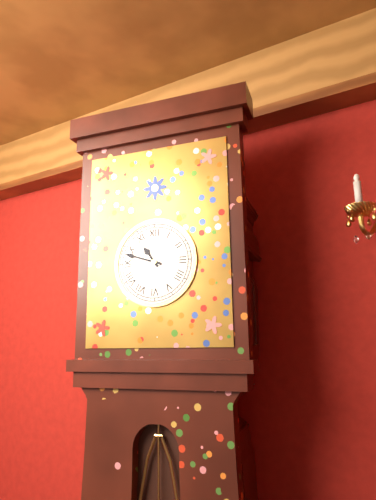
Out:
10.48
